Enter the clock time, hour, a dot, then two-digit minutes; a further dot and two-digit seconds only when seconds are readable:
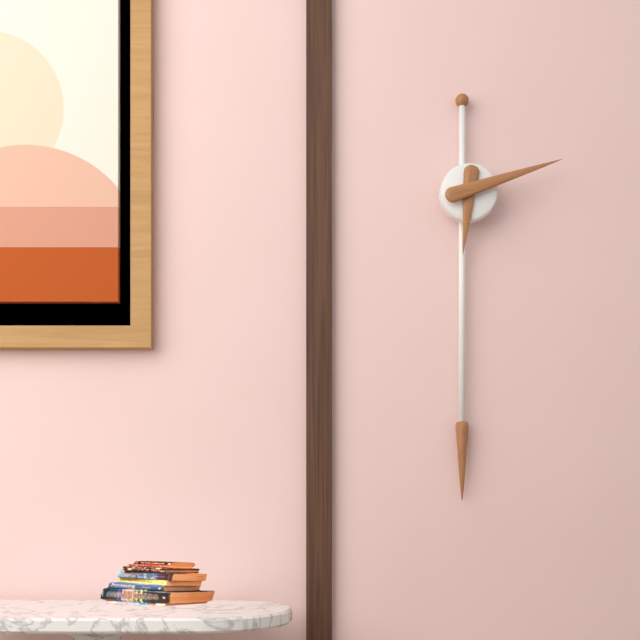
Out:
6.12
